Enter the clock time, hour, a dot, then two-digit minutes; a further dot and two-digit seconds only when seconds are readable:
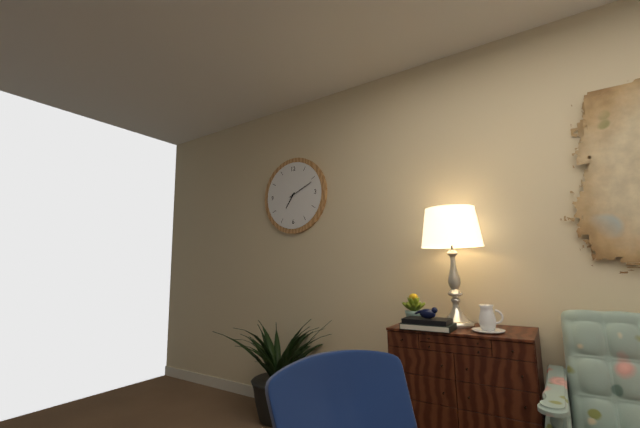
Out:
7.11
